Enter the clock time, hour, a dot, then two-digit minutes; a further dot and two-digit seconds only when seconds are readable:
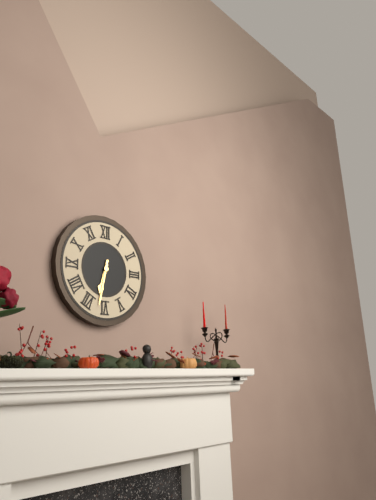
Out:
6.32
